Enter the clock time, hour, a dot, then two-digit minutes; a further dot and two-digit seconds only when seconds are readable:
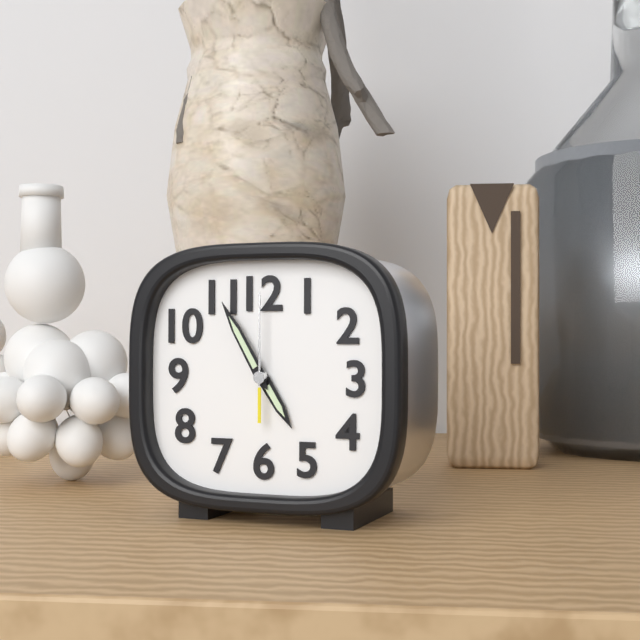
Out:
4.55.00
